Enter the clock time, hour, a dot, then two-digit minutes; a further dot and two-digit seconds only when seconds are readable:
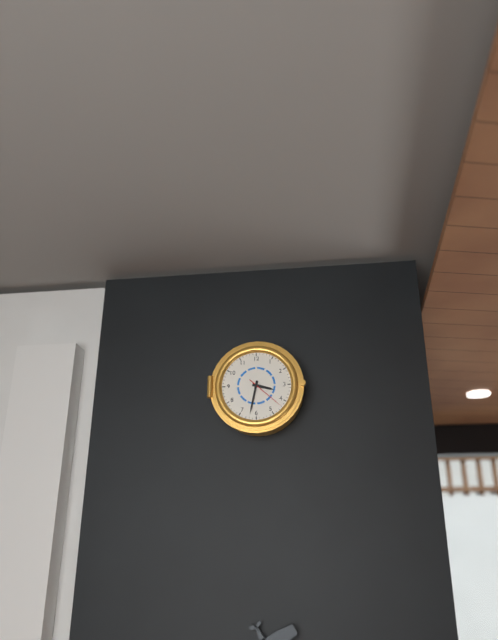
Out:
3.32
